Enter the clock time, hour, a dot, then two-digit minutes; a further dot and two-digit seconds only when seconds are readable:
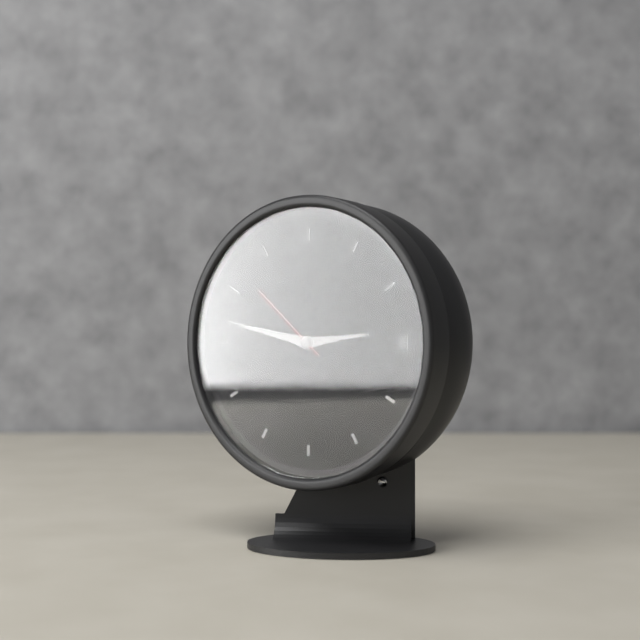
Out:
2.47.52
